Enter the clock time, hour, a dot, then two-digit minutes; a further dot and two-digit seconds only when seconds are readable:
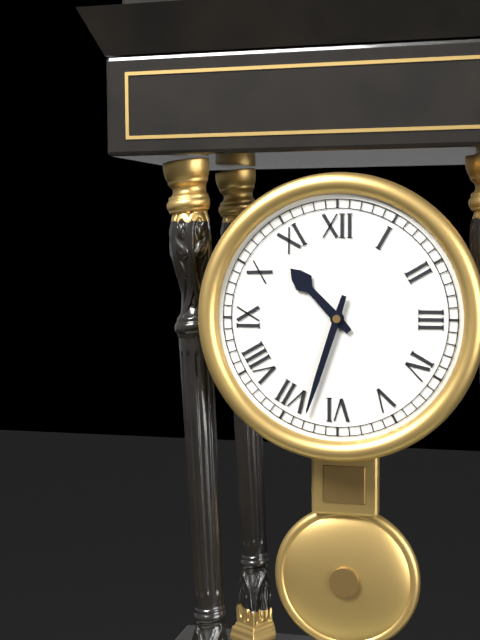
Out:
10.33
